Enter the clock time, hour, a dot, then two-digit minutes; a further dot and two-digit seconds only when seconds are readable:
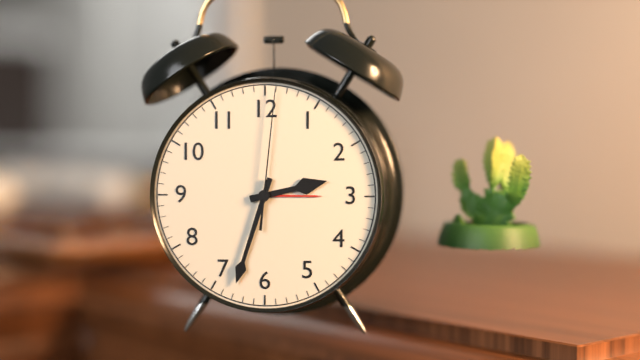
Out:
2.33.01
